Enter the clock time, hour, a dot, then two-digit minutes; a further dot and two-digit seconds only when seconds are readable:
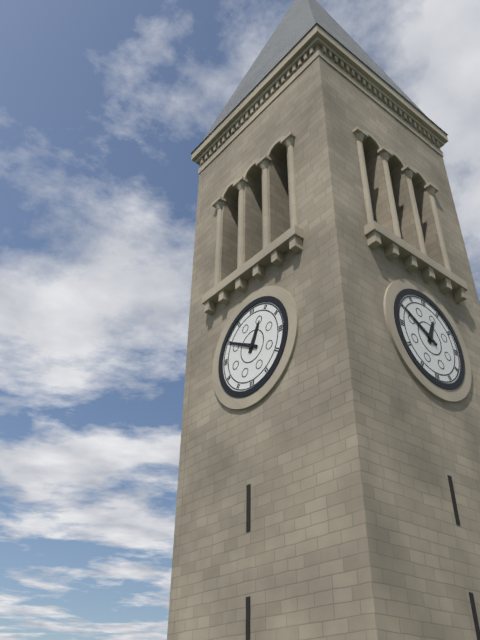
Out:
12.50
